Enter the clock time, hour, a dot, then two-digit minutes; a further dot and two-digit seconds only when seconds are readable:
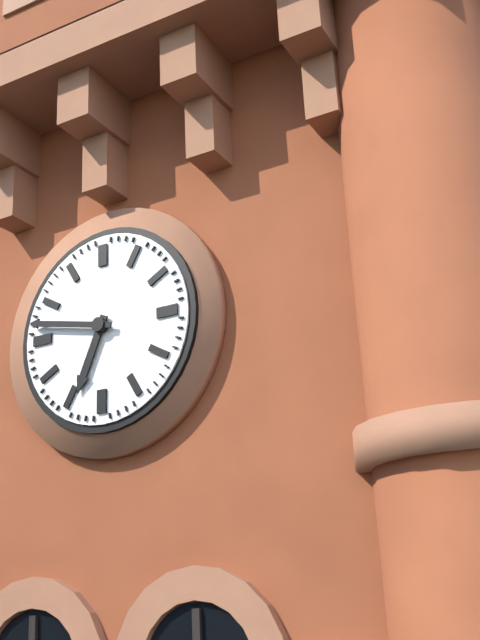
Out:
6.47
